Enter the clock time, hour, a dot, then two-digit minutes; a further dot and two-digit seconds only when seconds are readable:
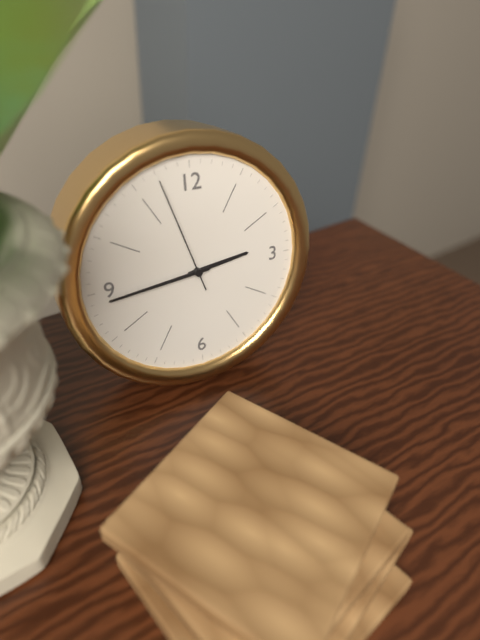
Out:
2.44.57
